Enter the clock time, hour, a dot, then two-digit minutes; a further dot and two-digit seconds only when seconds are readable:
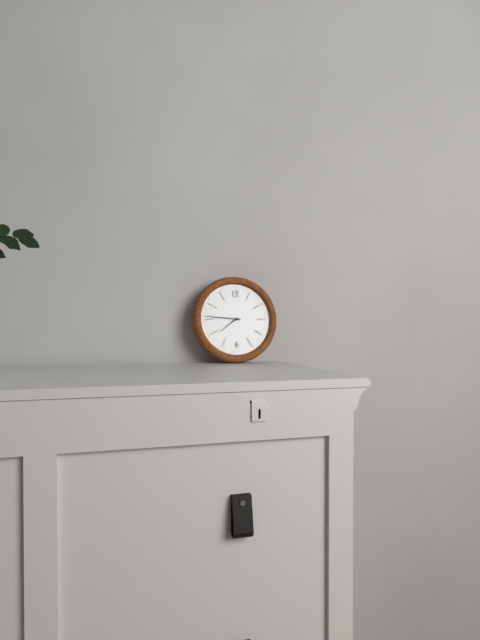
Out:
7.46
